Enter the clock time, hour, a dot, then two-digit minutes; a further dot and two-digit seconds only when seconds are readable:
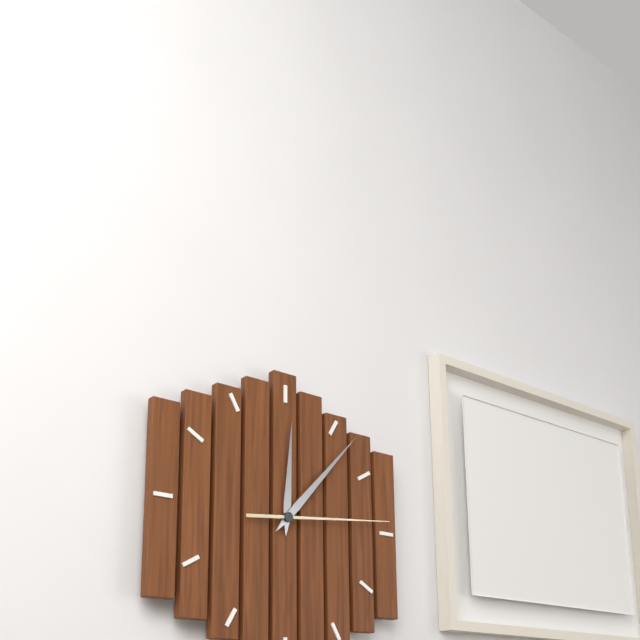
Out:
12.07.14
